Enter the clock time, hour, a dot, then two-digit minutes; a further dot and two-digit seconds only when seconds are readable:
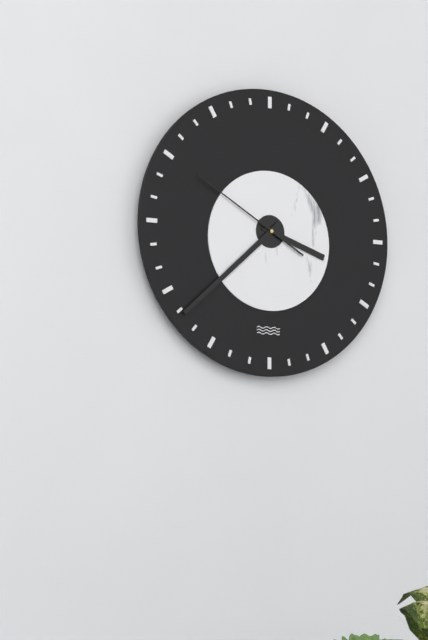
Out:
3.38.50
